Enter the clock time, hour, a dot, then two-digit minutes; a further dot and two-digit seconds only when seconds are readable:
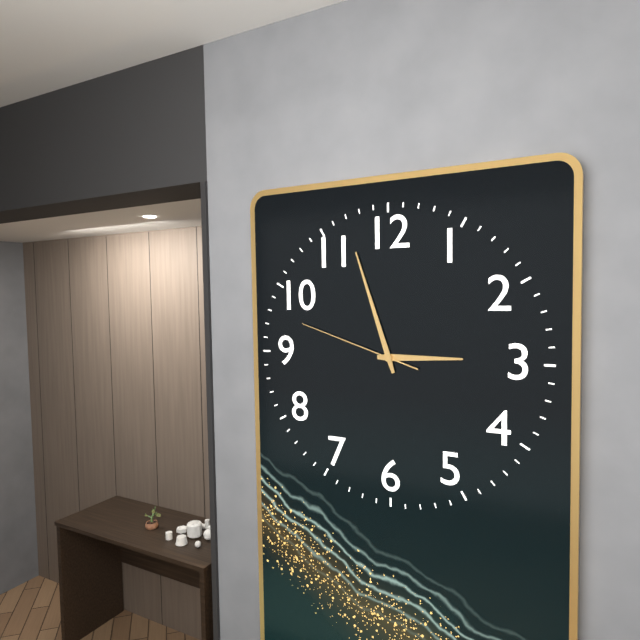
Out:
2.57.48
